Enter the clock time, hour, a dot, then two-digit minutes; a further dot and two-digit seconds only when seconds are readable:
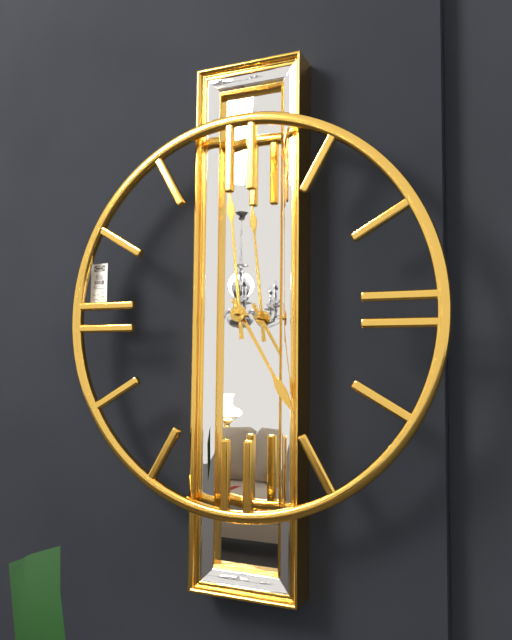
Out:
4.59
